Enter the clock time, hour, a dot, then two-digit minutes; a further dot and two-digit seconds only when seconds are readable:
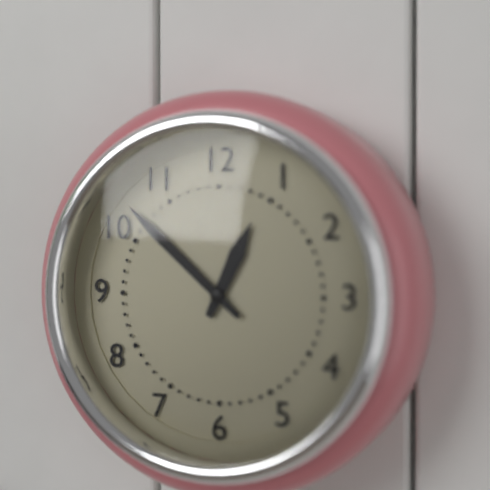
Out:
12.52
